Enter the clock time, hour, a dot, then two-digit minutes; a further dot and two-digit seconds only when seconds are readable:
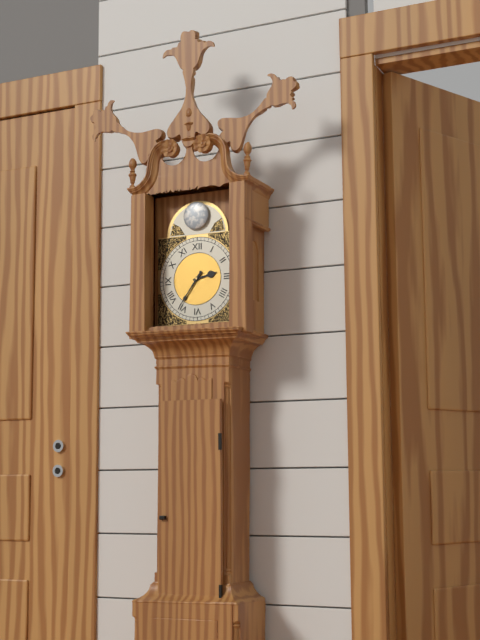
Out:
2.36
